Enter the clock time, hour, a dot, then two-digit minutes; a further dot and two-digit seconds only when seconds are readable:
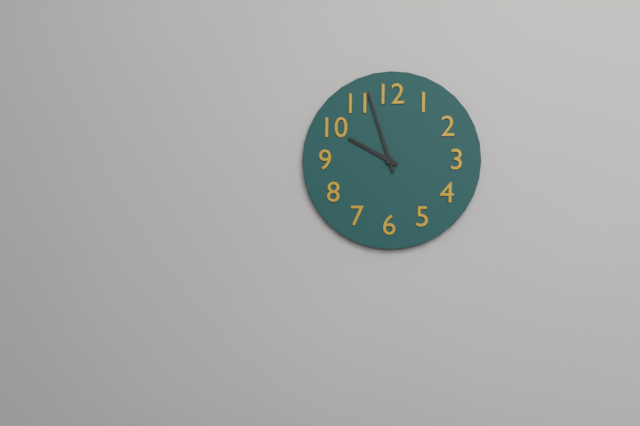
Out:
9.57
